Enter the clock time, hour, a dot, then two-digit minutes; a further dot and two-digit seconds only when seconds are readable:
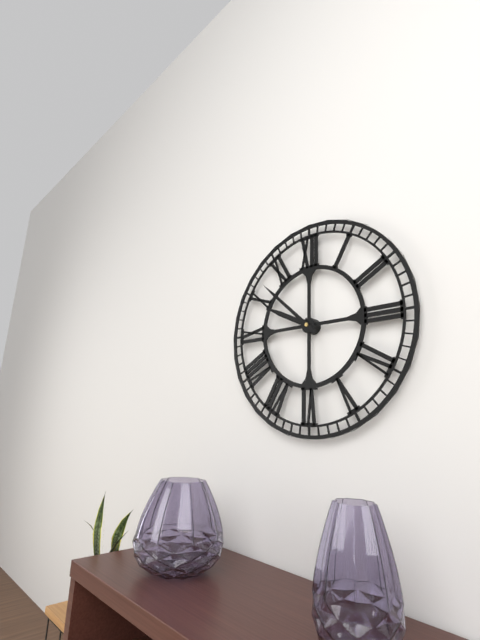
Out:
9.52
